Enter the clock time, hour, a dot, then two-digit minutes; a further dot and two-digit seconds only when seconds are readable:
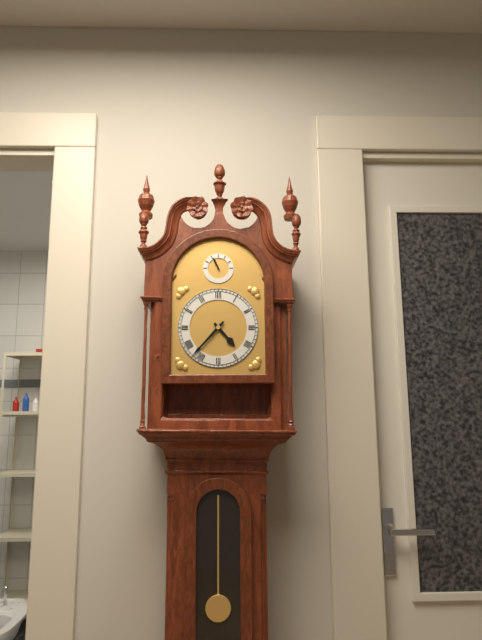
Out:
4.37
